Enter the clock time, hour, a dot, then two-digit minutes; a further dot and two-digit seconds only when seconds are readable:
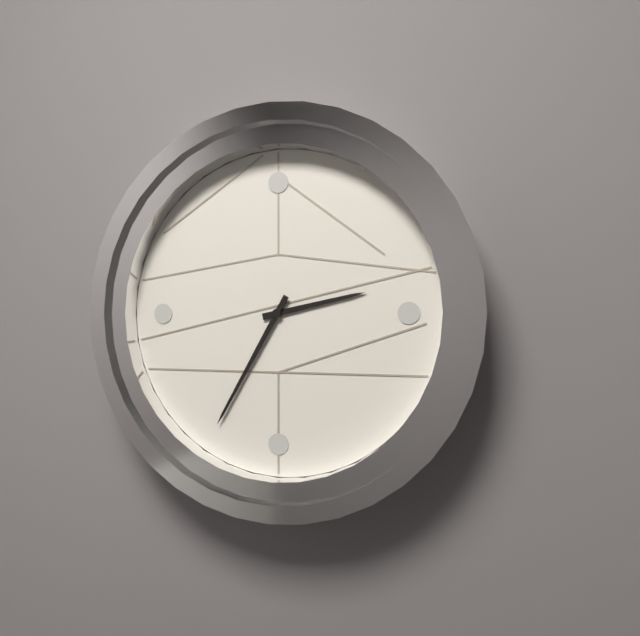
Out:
2.35
